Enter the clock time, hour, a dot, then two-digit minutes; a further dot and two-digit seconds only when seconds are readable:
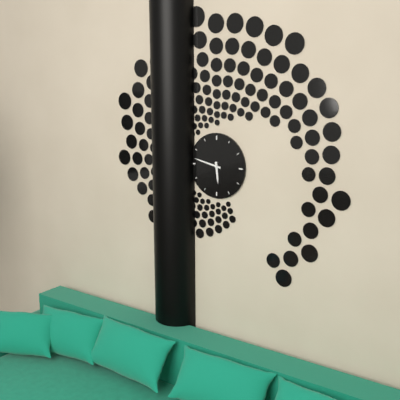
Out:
5.47
